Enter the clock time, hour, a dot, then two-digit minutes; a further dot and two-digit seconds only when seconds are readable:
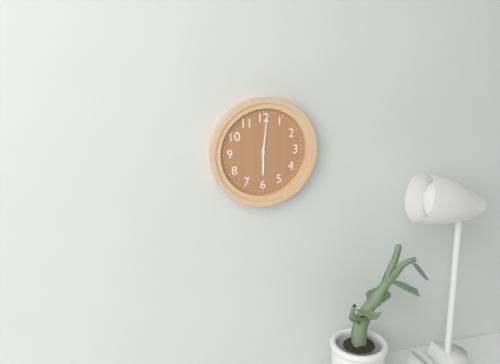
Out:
6.01
